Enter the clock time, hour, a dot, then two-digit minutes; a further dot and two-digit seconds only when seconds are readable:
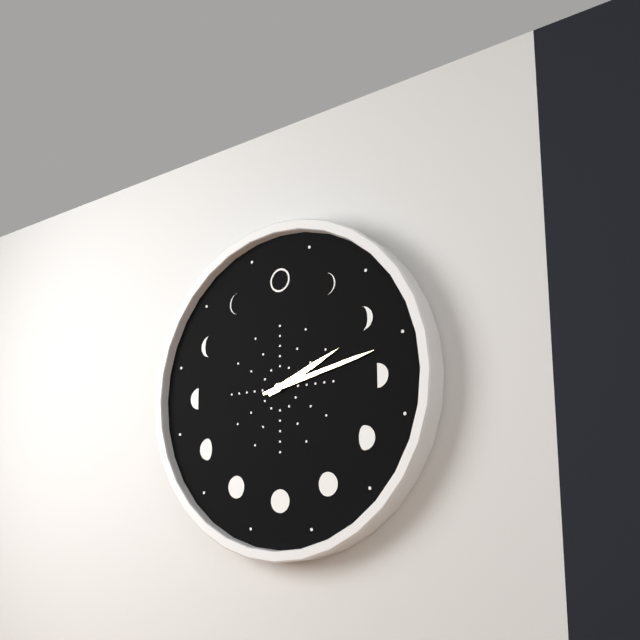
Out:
2.13
